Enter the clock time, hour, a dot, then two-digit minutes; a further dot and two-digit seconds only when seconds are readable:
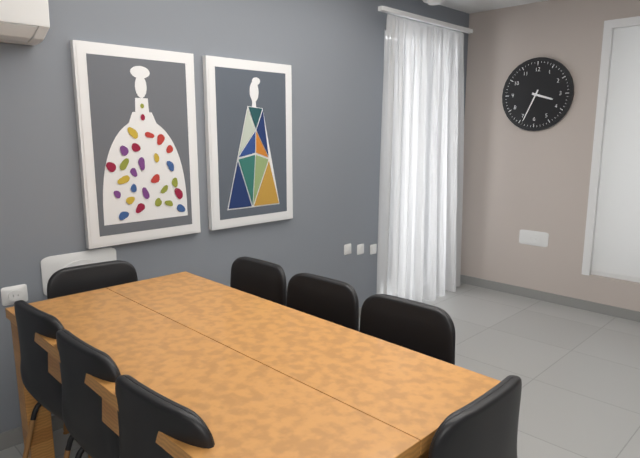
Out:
3.34
